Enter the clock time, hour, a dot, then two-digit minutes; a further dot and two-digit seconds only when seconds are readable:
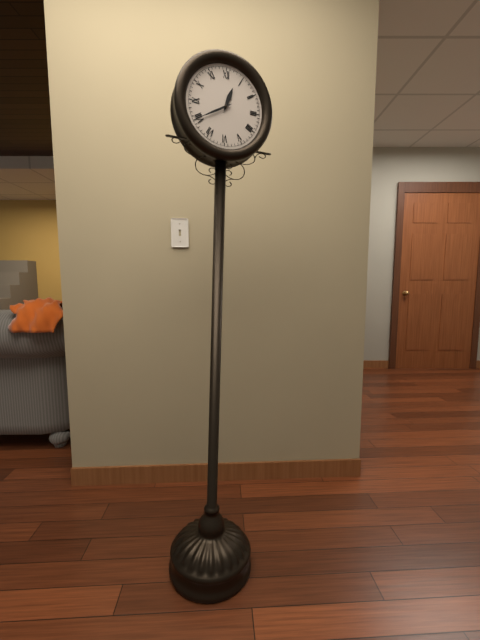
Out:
12.40
